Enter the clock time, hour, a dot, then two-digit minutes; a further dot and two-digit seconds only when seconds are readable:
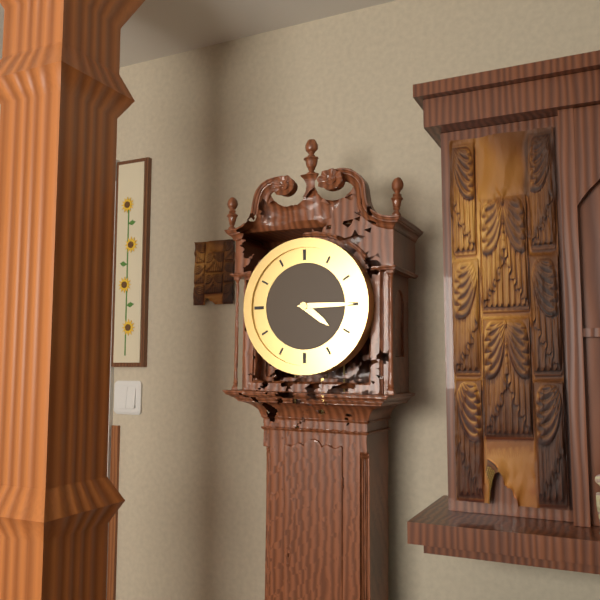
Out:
4.15
